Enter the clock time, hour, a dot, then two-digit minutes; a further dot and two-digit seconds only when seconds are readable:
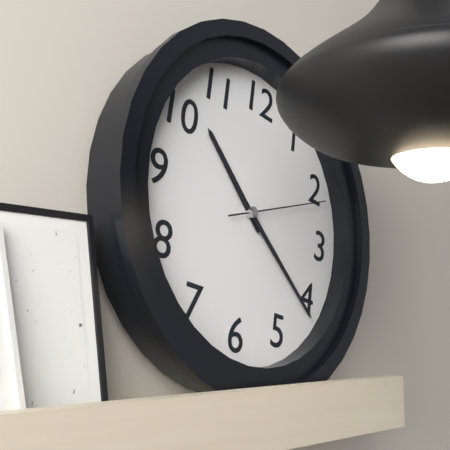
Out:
10.21.11
